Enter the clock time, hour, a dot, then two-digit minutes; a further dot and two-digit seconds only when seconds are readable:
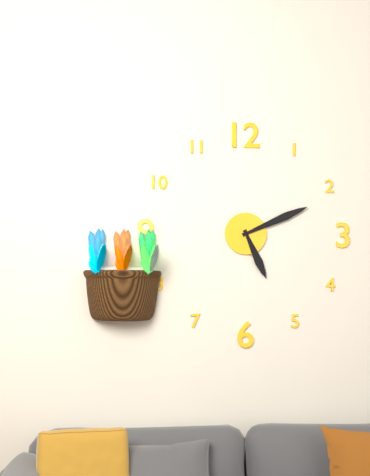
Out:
5.11
